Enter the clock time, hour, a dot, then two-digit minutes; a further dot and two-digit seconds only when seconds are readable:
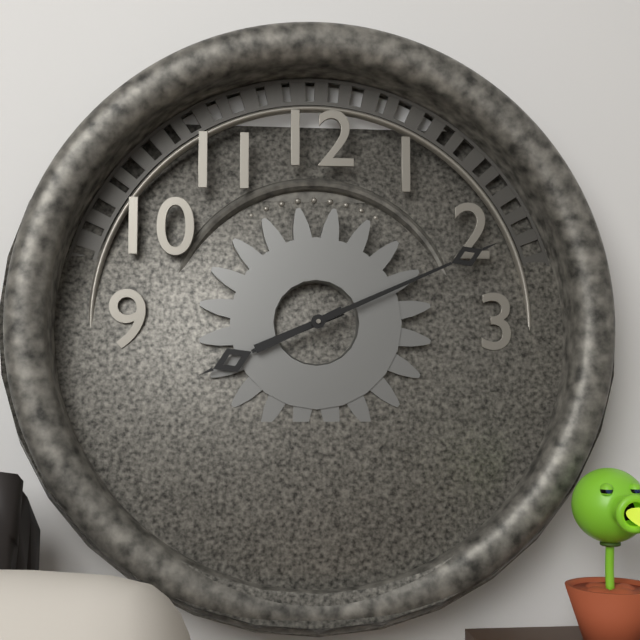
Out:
8.11
